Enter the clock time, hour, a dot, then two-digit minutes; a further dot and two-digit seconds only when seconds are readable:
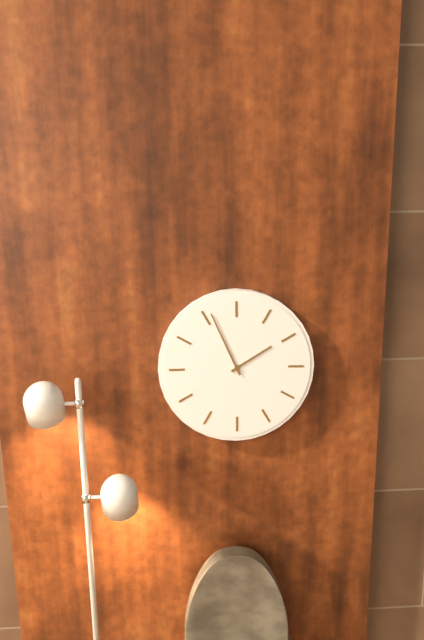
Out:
1.56
